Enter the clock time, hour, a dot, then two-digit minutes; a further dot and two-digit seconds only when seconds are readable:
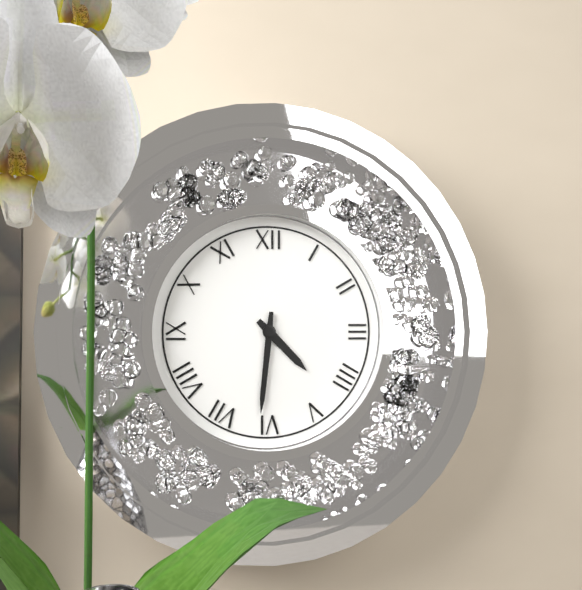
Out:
4.31
